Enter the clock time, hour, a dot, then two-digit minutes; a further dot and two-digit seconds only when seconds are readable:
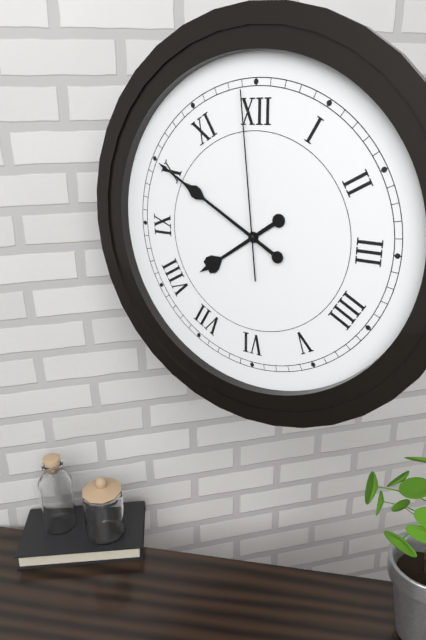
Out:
7.50.59
